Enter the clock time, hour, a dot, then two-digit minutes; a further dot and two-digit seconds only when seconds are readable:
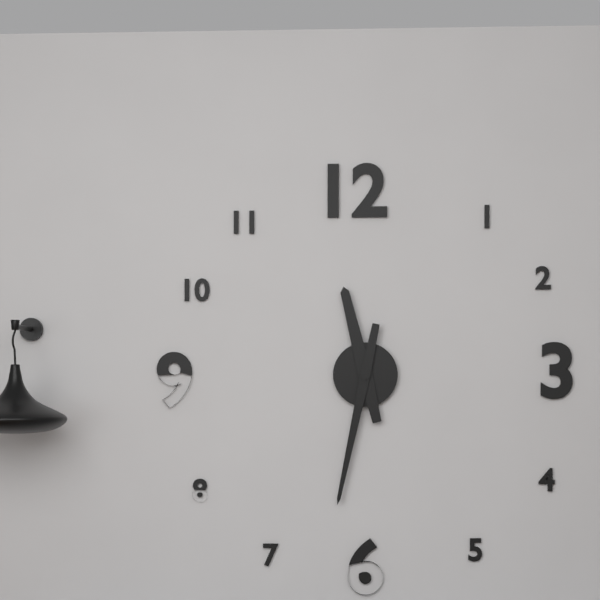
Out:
11.32
